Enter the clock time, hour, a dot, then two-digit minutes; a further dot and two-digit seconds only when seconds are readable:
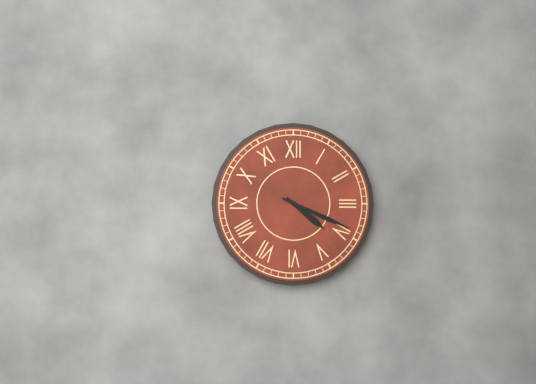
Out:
4.19
